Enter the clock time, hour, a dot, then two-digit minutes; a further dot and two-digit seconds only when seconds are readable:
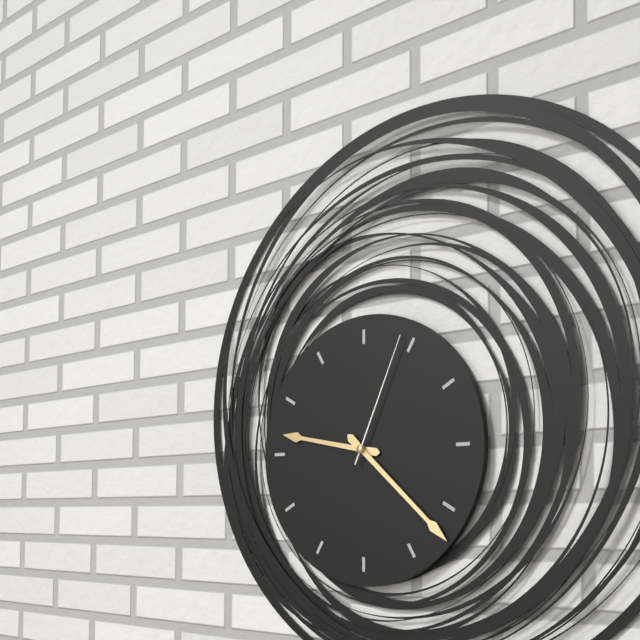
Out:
9.22.04
